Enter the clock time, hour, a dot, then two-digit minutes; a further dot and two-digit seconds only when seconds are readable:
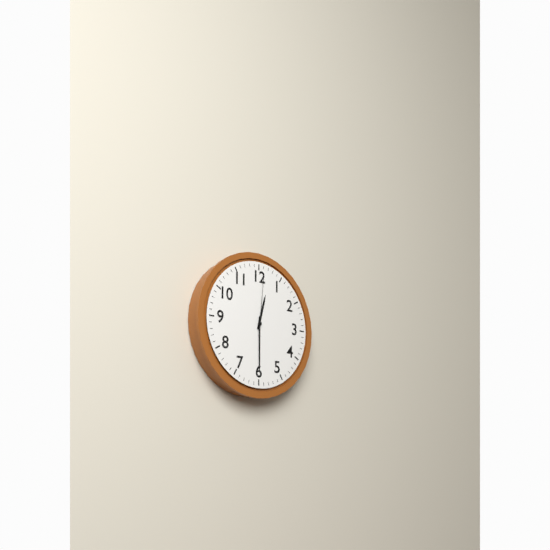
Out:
12.30.01
